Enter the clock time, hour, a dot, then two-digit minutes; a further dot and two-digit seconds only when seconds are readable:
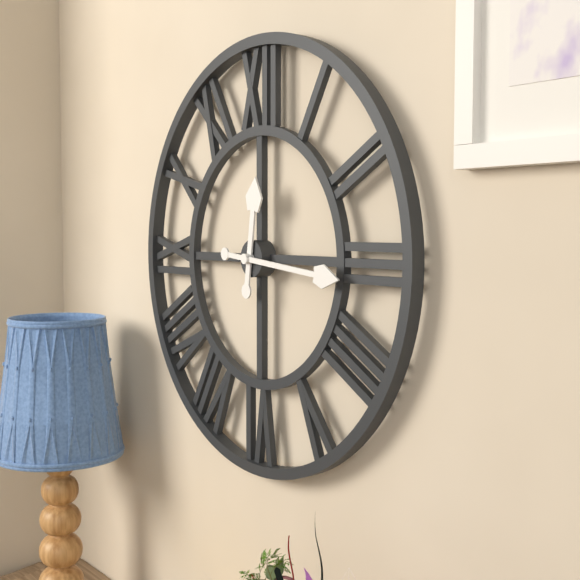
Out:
12.16
